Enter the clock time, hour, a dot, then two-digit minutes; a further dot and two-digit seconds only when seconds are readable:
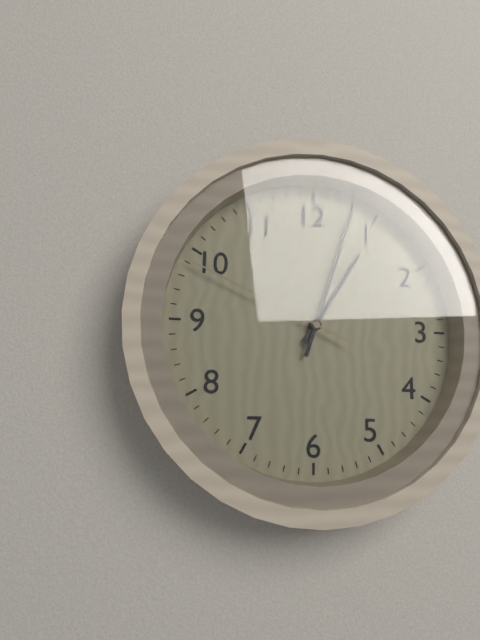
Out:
1.03.49
